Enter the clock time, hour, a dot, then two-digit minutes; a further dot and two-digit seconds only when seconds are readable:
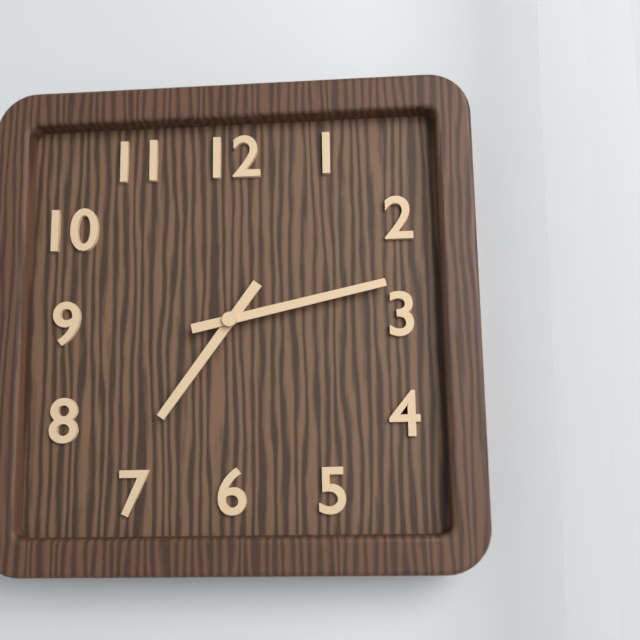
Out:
7.13
